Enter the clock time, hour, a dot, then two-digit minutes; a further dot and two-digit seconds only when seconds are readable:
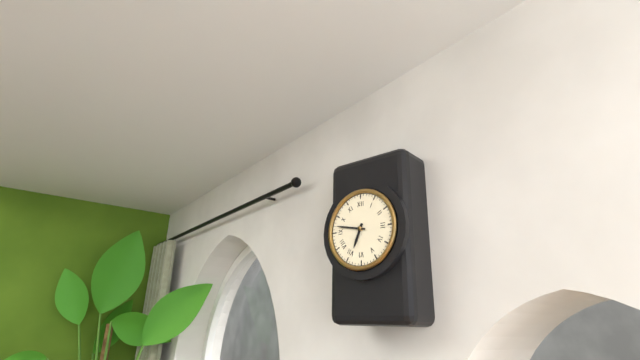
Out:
6.47
